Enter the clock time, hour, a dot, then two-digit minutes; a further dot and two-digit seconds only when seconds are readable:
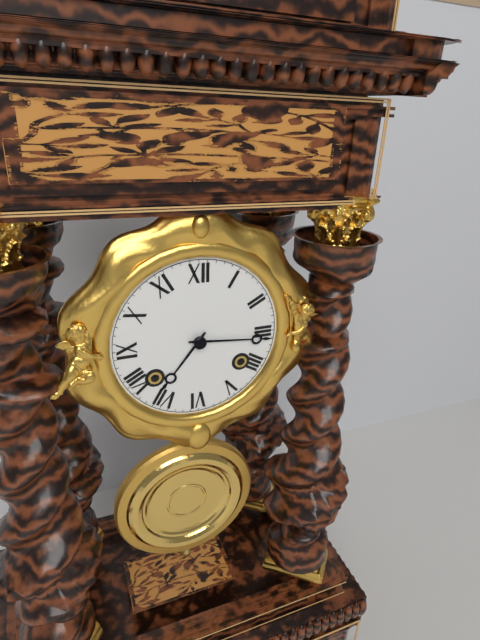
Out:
7.16
